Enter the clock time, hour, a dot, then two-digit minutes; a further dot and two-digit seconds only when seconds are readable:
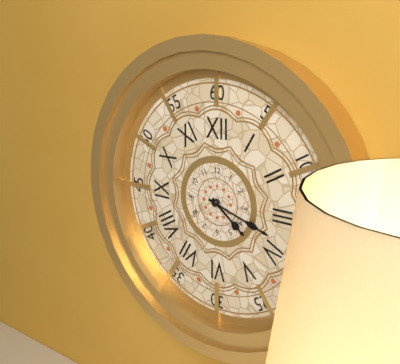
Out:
4.18
